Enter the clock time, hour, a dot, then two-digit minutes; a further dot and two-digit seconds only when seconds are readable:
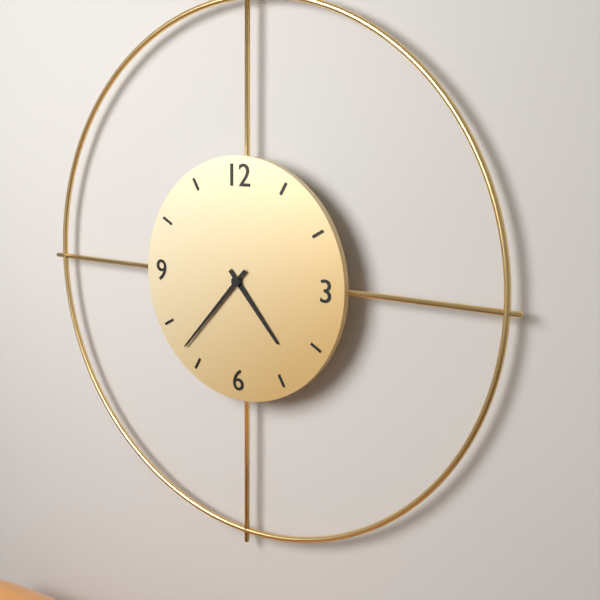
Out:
4.37
